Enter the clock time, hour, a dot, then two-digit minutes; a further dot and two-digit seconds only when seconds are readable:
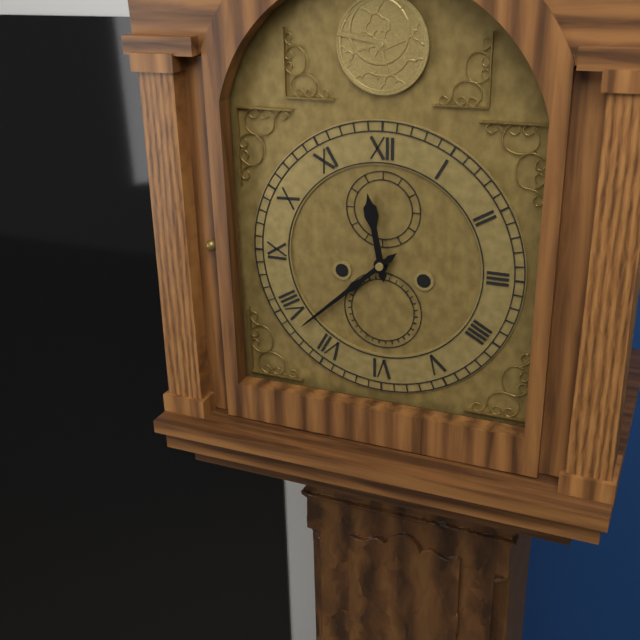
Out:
11.38
